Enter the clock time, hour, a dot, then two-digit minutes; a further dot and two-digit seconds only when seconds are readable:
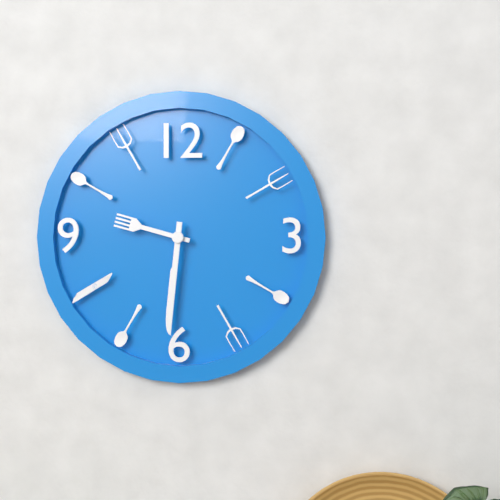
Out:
9.31
